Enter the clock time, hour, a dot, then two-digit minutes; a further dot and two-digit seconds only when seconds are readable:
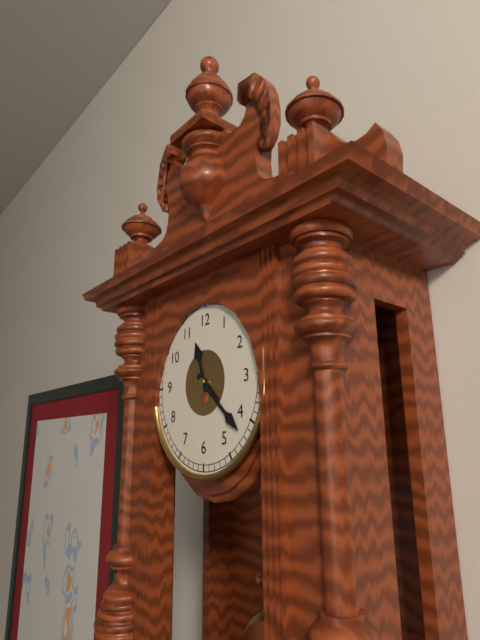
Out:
11.22
